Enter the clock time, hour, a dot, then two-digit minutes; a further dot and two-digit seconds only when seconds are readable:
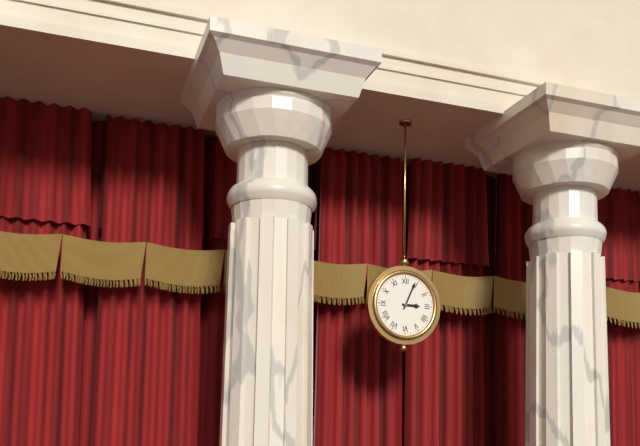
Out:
3.04
